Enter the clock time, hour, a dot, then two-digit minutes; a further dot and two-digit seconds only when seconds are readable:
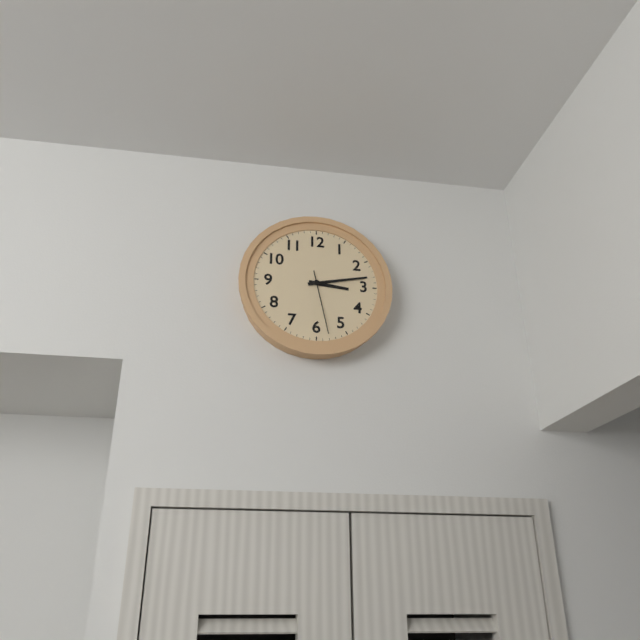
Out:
3.13.28
